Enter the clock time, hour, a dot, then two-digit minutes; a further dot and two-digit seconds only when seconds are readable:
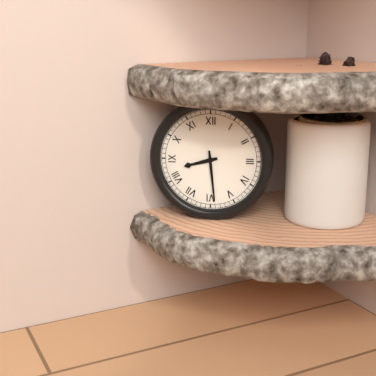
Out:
8.29
